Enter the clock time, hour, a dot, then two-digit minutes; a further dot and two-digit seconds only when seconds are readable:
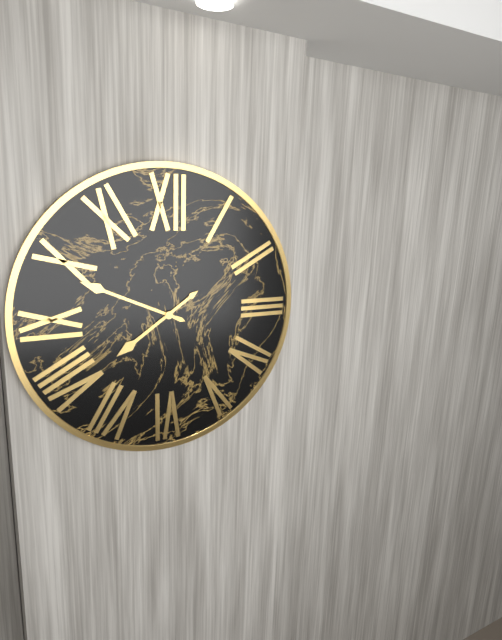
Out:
7.49
